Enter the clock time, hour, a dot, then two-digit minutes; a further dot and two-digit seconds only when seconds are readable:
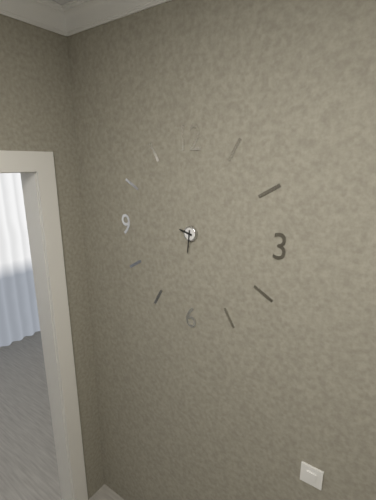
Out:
9.31
